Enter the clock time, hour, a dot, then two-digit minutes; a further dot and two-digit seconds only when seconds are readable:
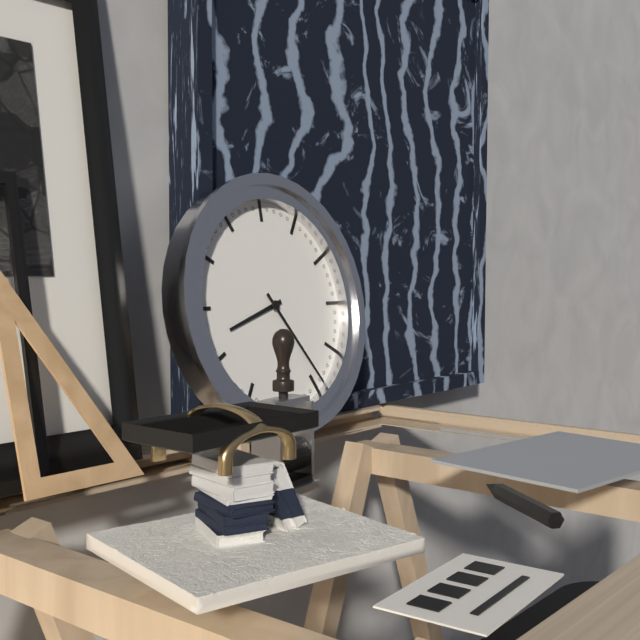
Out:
8.24
